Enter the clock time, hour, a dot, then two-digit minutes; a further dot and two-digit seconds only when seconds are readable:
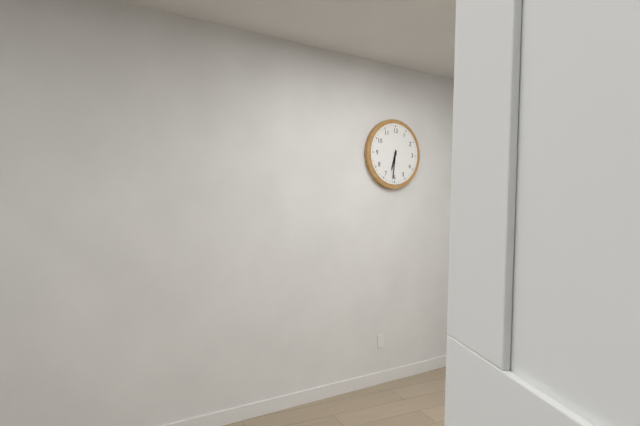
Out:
6.31
